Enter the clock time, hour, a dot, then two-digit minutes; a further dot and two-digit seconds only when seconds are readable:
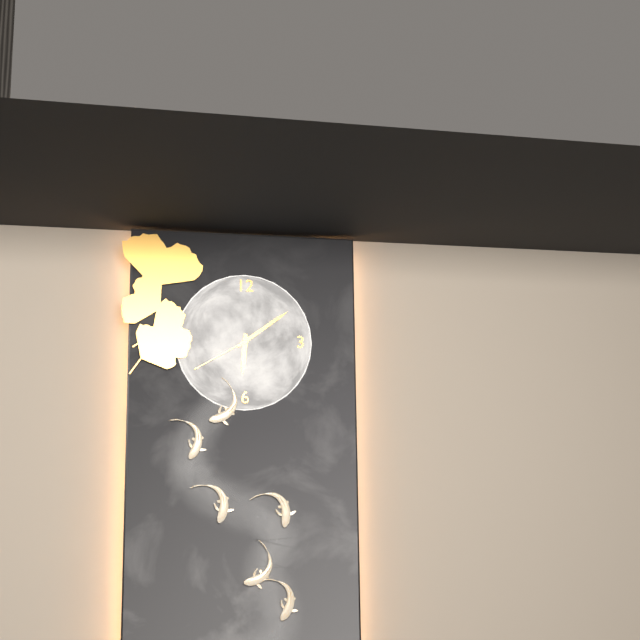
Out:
6.09.40
